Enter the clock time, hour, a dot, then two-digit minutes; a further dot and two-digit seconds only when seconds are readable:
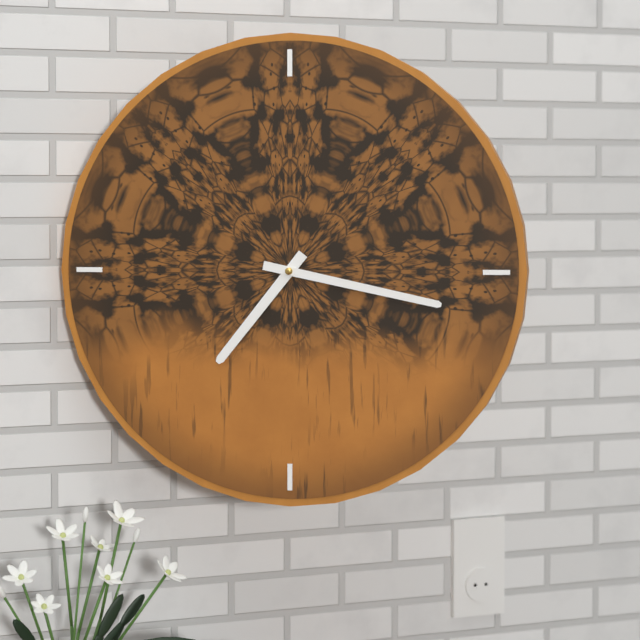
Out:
7.17
